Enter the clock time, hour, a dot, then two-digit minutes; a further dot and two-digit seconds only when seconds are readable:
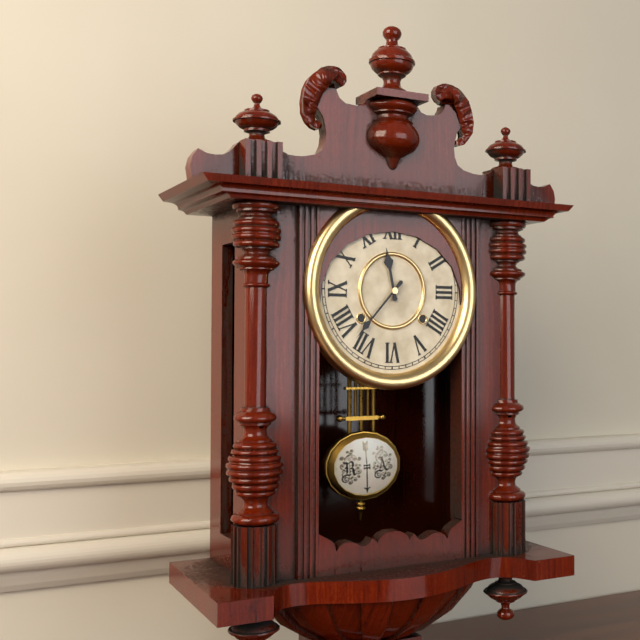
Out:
11.37
